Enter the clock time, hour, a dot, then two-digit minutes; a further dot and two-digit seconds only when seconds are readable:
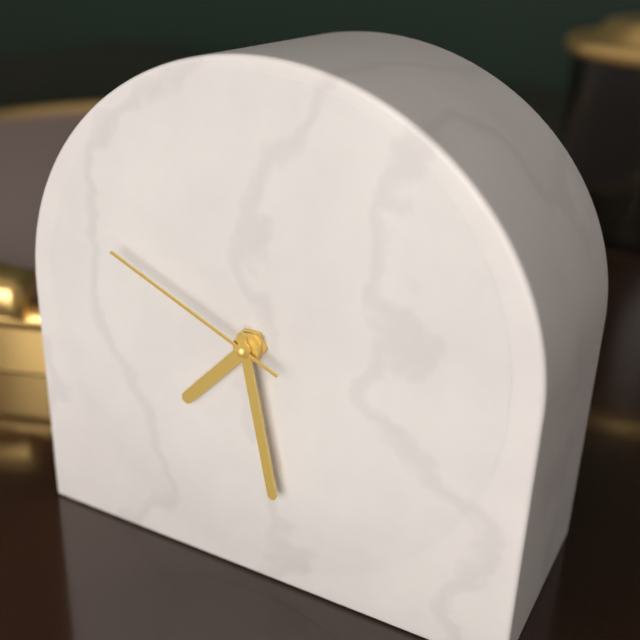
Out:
7.28.49
